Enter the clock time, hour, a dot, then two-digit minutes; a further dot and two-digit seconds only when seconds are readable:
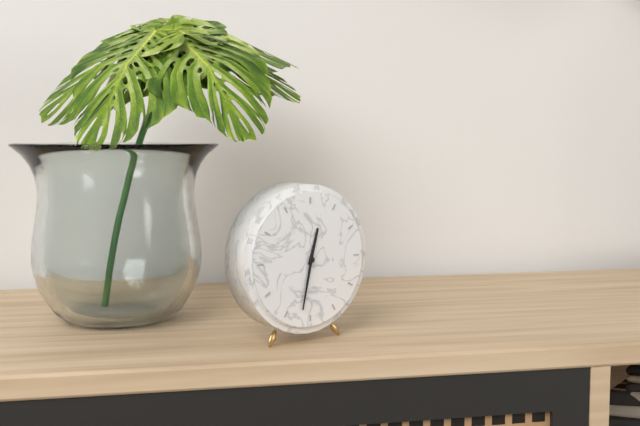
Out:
12.32
